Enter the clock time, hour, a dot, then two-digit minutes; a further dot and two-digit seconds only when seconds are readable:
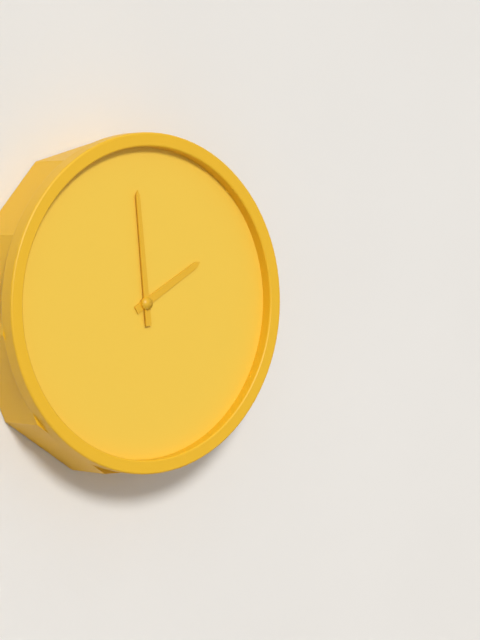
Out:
1.59
